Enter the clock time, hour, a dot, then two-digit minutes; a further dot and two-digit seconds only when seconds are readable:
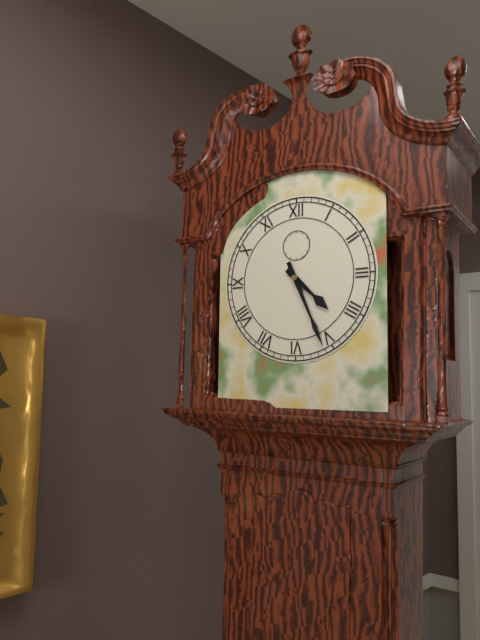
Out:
4.26
